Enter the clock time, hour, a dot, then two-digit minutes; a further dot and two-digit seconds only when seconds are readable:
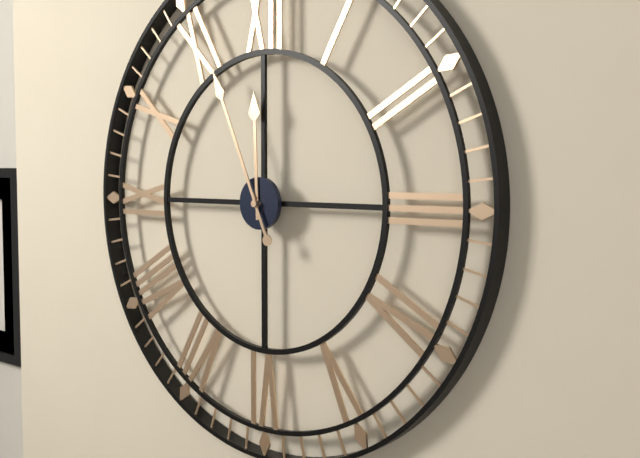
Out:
11.56
